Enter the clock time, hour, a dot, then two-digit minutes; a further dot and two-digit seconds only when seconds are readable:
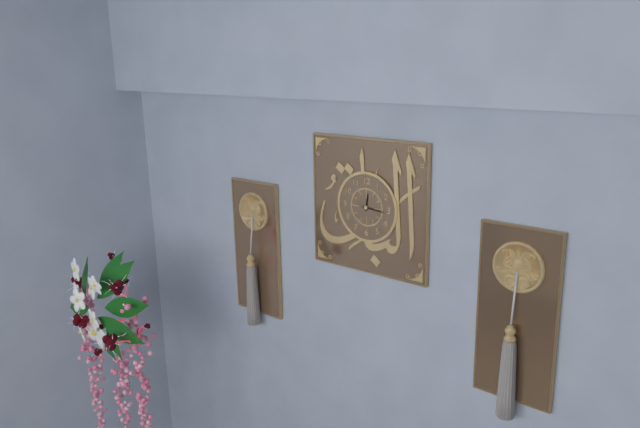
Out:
12.16
